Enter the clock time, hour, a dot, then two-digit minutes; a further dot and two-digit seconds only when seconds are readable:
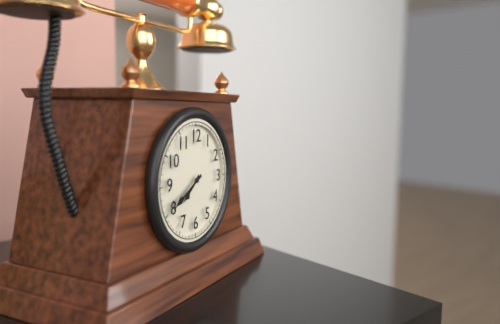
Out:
7.40
